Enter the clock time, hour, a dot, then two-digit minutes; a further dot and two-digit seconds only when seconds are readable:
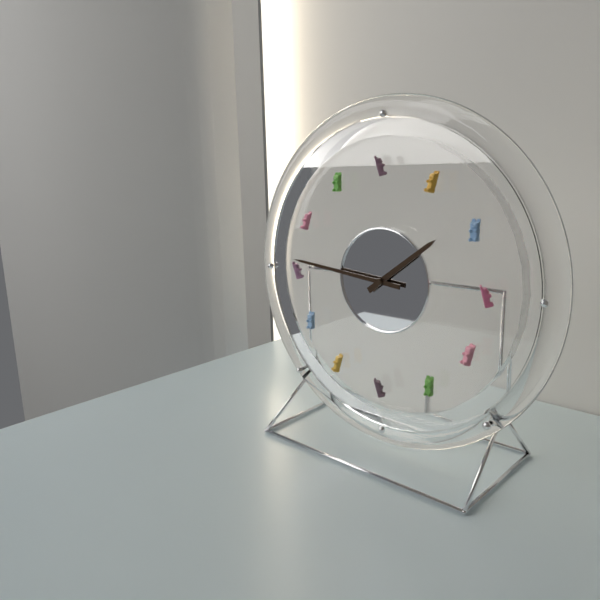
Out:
1.46
